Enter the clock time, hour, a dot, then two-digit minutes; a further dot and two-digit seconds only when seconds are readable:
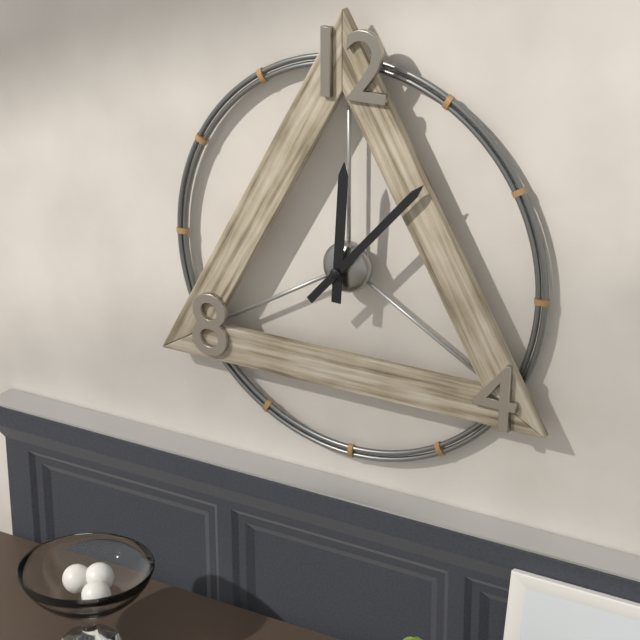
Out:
12.07
